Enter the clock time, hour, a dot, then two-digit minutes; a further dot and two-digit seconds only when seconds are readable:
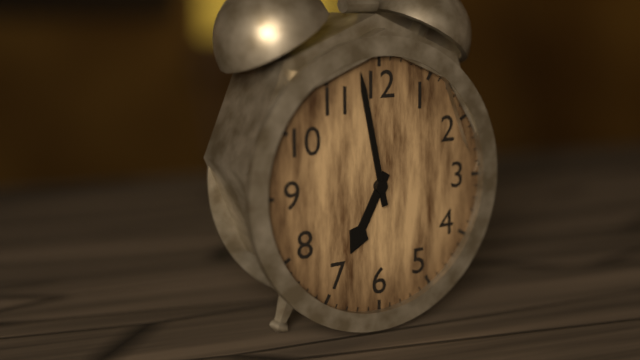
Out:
6.58
